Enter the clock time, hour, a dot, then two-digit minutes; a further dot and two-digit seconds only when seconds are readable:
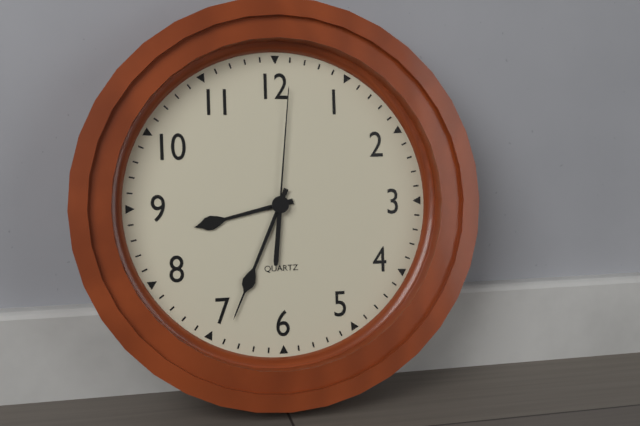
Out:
8.34.01
